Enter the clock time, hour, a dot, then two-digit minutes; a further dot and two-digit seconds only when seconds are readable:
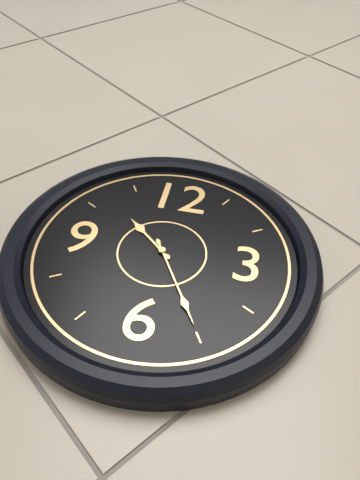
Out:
10.25
